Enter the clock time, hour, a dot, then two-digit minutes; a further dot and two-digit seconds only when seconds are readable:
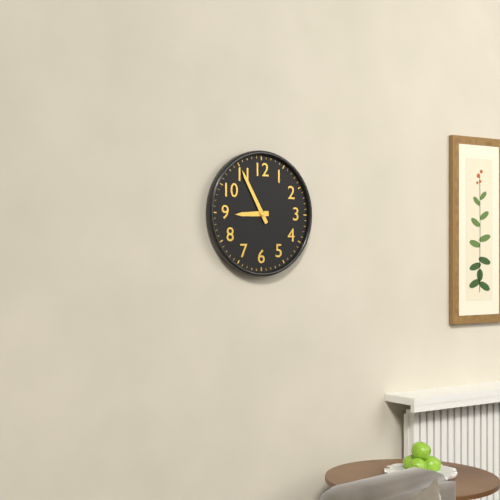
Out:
8.55
